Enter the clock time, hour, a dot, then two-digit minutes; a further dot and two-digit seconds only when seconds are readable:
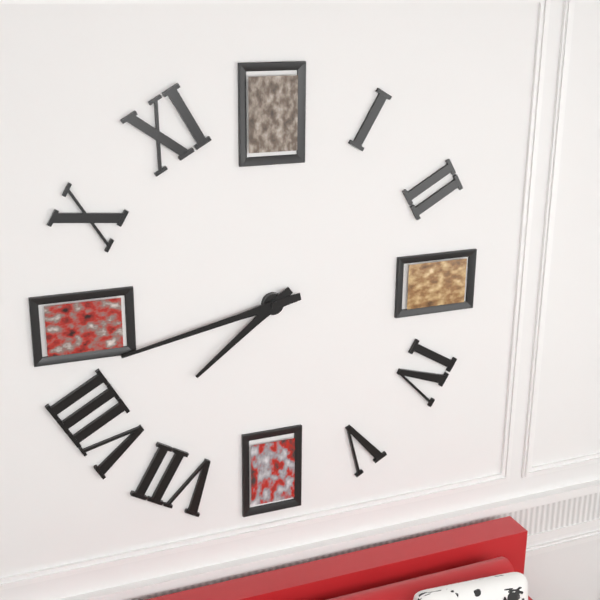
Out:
7.43
